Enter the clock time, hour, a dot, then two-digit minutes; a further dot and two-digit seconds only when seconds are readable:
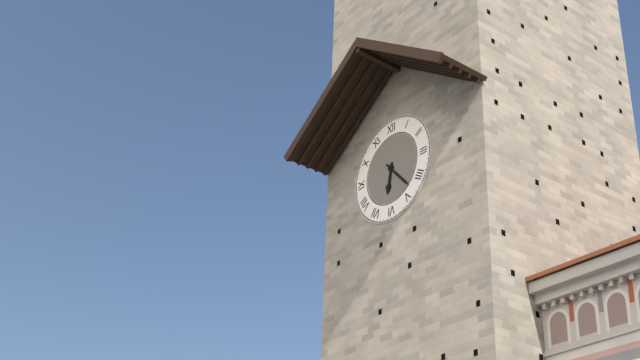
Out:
6.23
